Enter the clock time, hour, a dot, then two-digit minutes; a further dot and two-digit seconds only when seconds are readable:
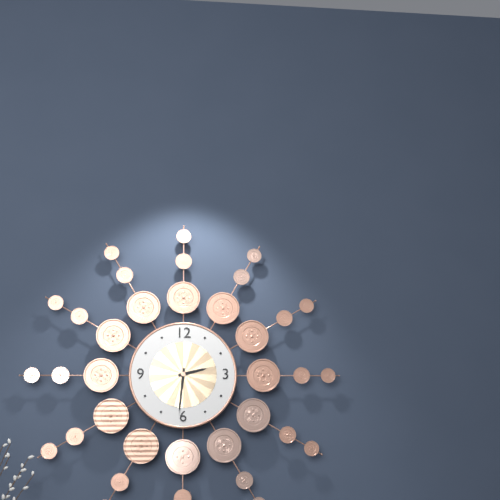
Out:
2.31
